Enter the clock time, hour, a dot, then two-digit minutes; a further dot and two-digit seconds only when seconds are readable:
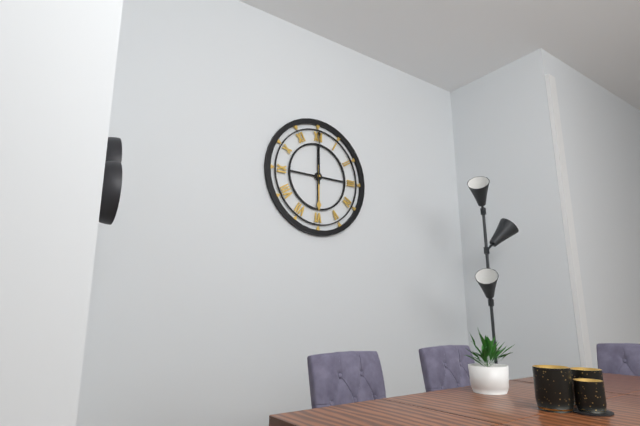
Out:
6.00
